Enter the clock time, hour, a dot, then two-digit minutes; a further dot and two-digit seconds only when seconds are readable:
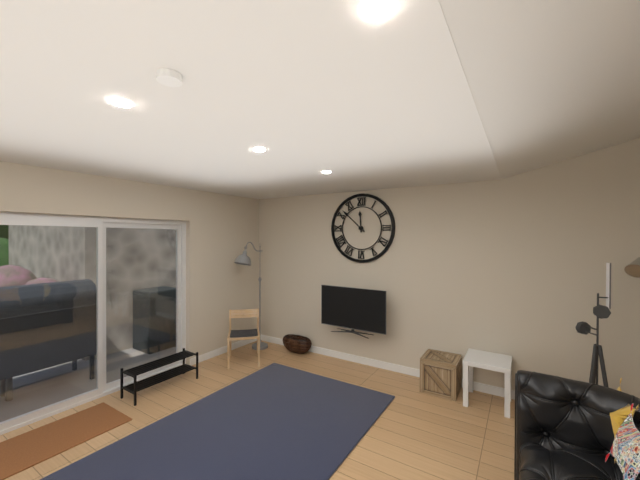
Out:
11.52
